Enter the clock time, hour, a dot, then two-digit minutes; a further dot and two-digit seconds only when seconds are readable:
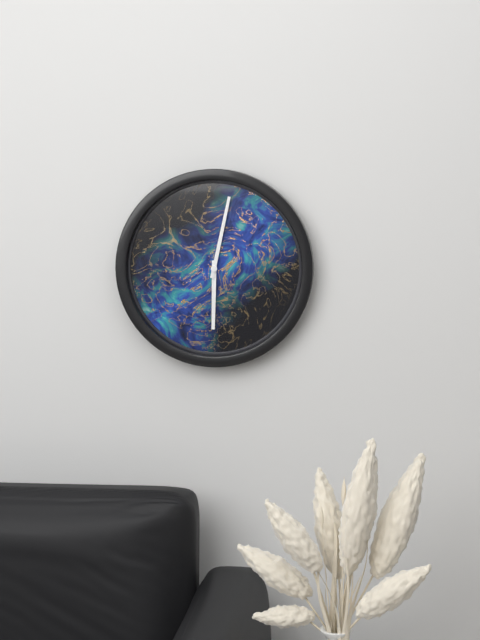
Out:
6.02
